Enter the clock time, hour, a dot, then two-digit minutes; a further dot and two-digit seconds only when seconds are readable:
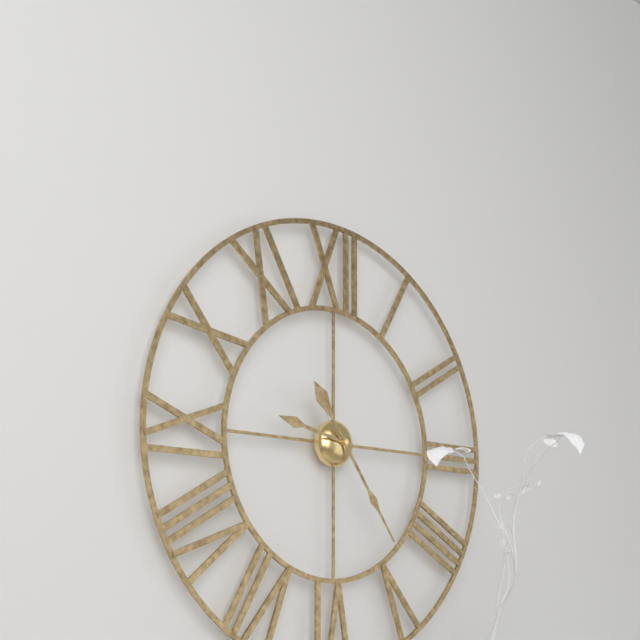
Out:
9.24
